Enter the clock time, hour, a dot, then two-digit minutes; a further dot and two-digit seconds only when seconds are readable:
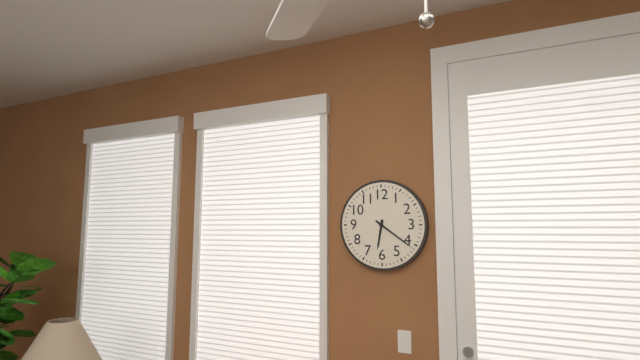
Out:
6.21
